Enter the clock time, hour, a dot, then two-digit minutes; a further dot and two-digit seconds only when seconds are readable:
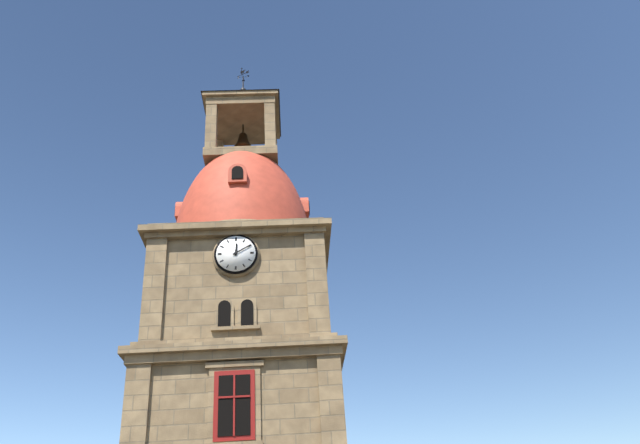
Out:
12.10
